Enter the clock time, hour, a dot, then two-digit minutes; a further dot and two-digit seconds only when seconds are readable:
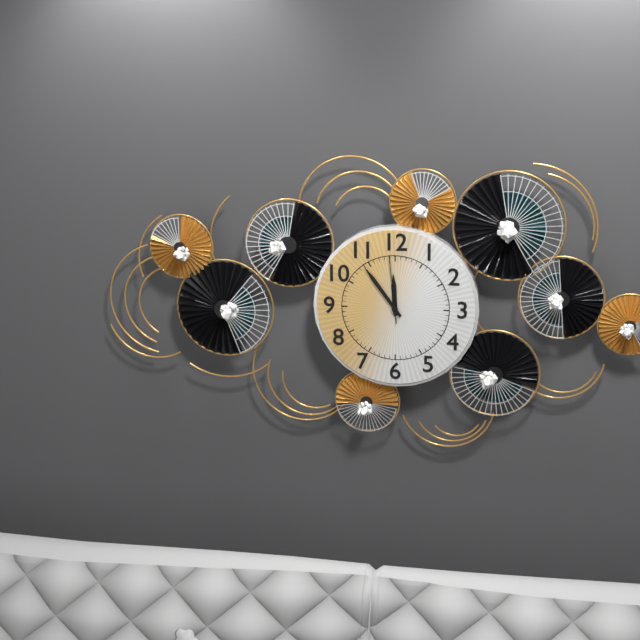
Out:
11.54.59
